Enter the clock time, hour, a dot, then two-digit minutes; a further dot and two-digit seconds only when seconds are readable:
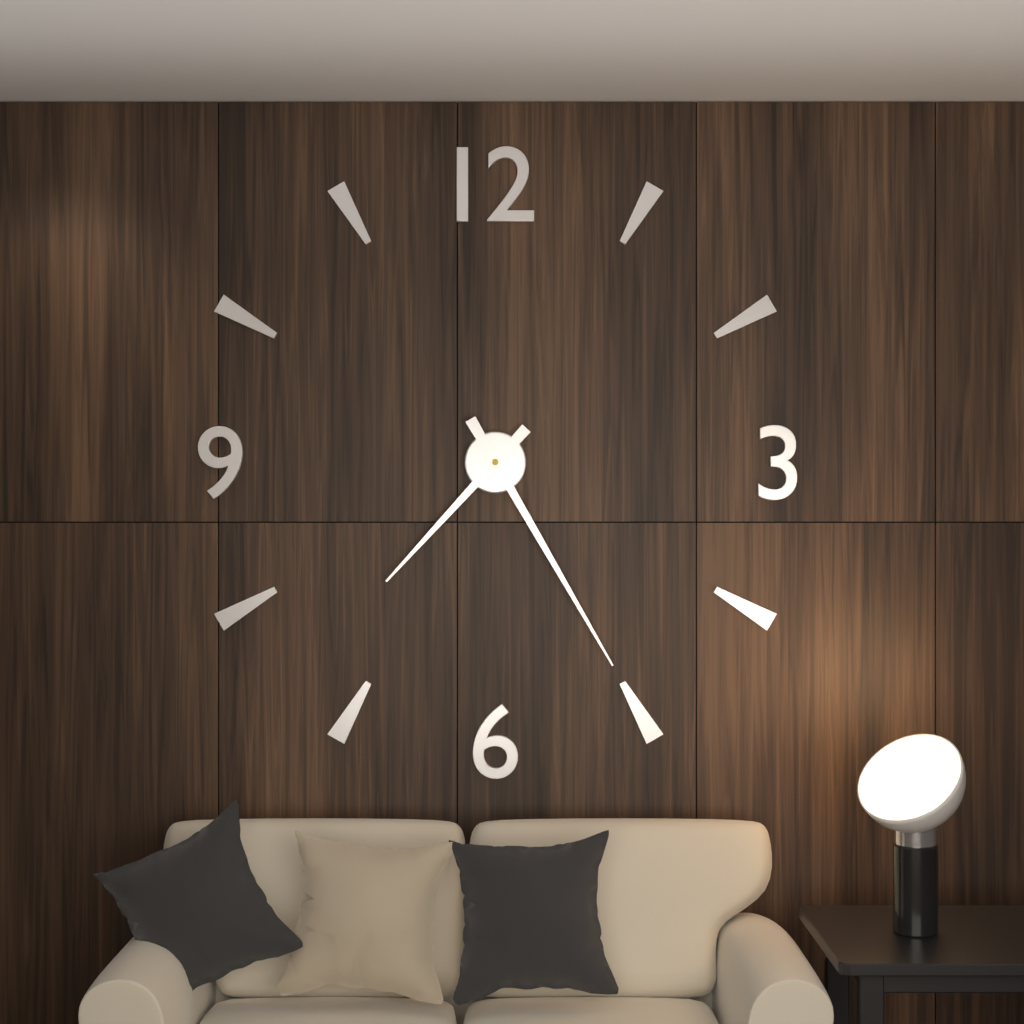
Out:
7.25
